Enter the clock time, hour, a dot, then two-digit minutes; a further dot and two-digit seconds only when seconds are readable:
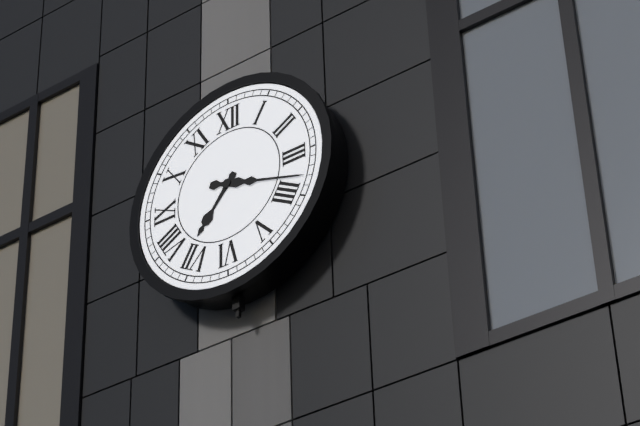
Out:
7.18
